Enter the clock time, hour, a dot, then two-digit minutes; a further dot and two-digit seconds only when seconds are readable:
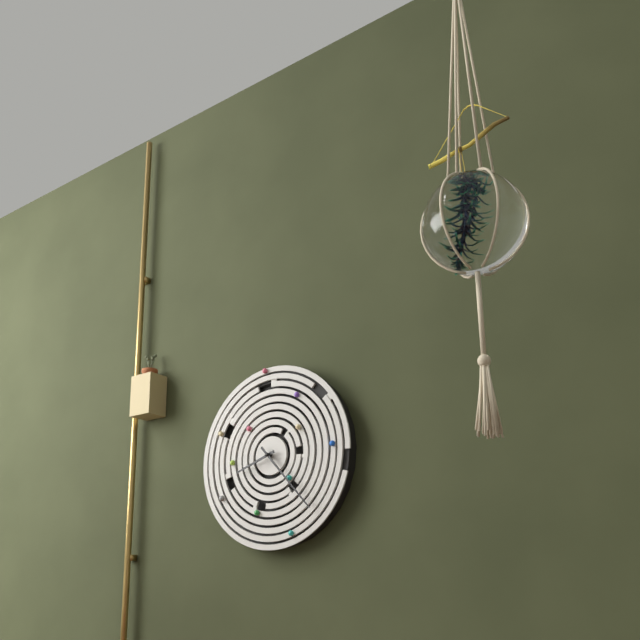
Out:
8.23
